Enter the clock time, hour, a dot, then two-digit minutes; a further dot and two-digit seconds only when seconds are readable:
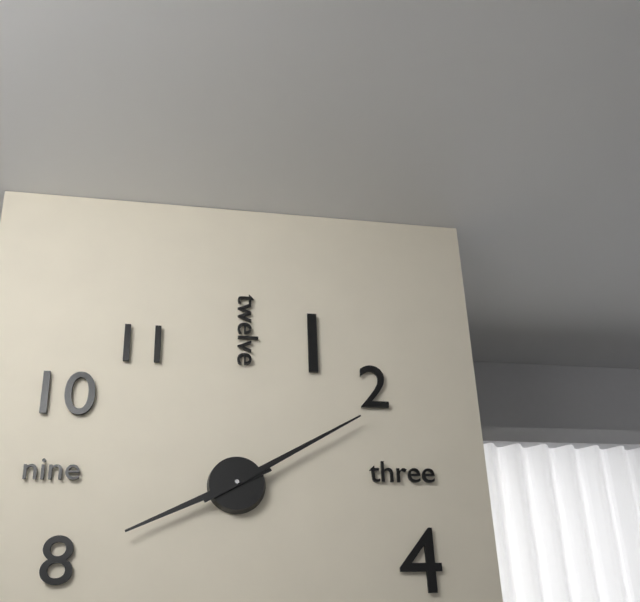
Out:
8.10
